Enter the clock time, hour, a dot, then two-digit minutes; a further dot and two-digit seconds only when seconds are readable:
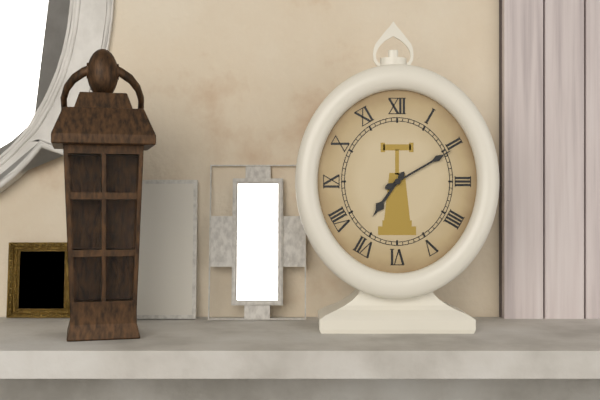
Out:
7.10
